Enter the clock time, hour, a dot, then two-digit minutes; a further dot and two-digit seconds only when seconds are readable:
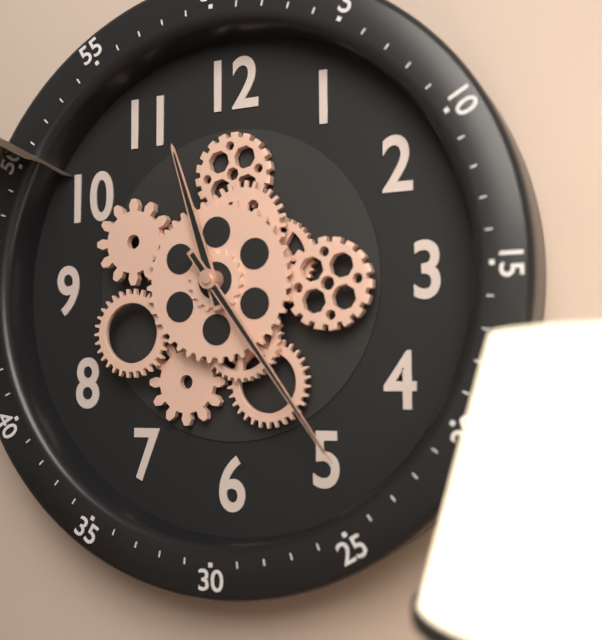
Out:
11.24
